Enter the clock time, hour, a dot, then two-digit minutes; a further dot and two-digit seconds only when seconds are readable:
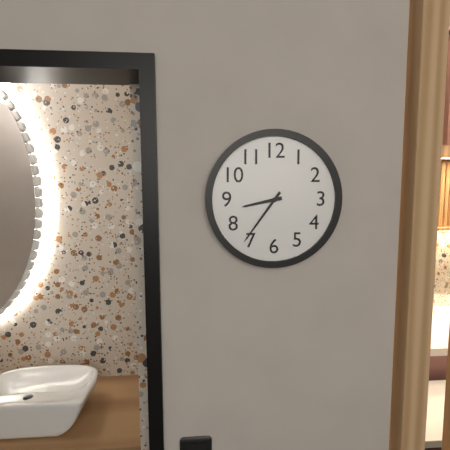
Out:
8.36
